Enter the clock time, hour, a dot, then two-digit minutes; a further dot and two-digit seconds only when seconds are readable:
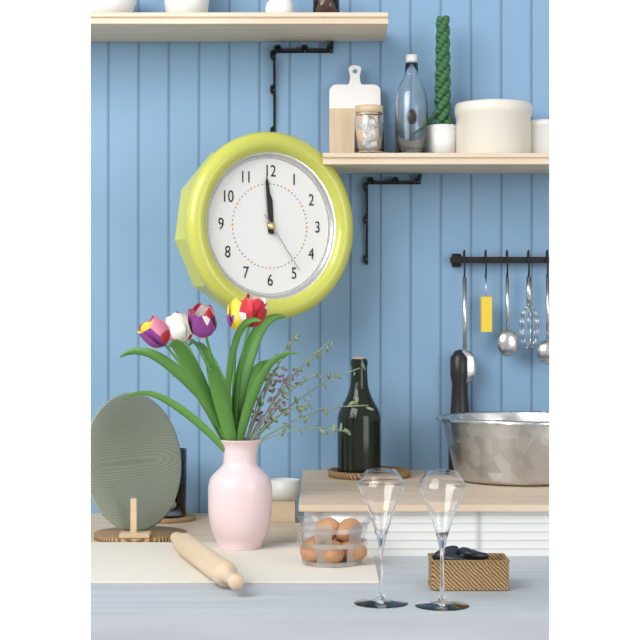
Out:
11.59.24
